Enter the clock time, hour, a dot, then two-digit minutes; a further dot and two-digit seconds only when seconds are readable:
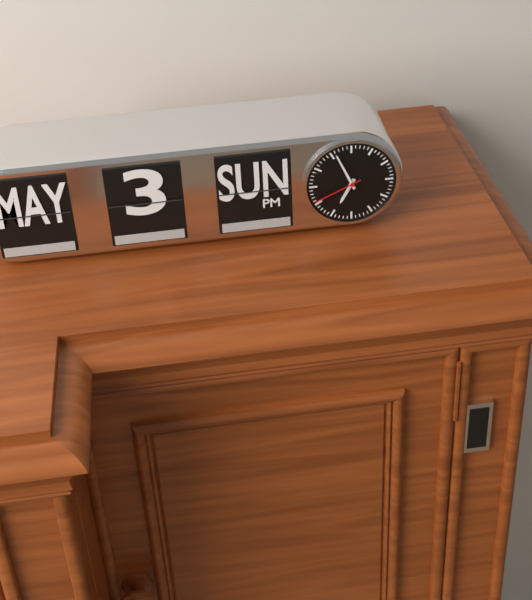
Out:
6.56.41
